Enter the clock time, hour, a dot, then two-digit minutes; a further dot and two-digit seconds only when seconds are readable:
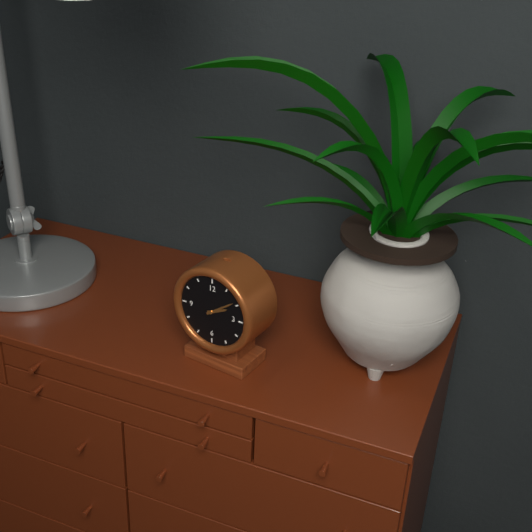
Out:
2.09
